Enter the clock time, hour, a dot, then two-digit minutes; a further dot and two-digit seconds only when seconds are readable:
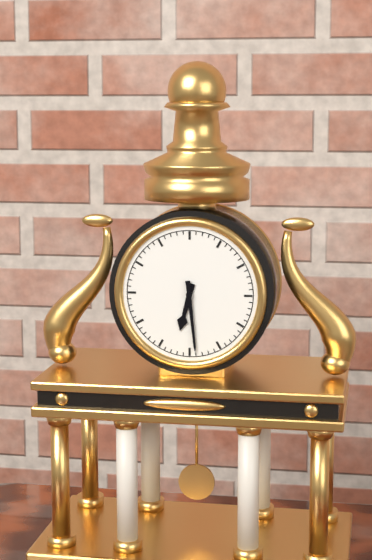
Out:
6.29
